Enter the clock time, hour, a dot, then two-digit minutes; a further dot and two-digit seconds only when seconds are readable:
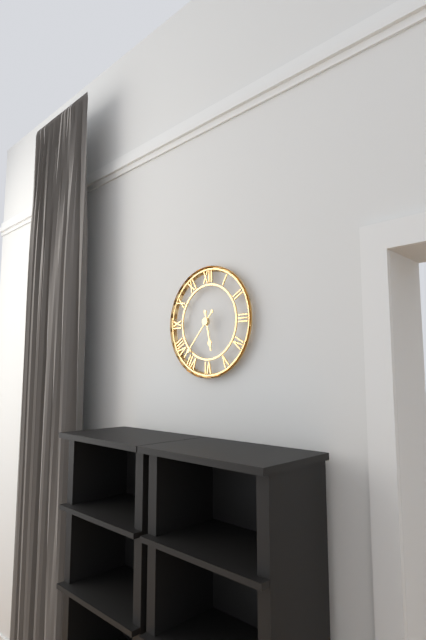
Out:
5.37
